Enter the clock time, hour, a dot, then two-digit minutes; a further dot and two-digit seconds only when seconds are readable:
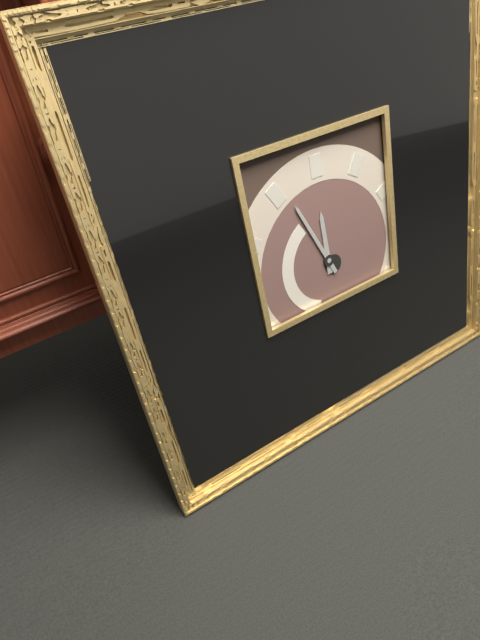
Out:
11.56
